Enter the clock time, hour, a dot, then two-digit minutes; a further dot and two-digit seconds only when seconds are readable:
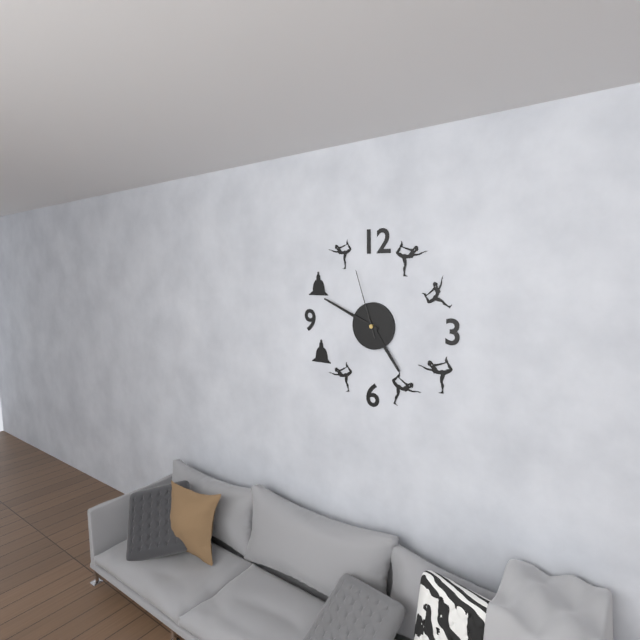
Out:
4.49.57
